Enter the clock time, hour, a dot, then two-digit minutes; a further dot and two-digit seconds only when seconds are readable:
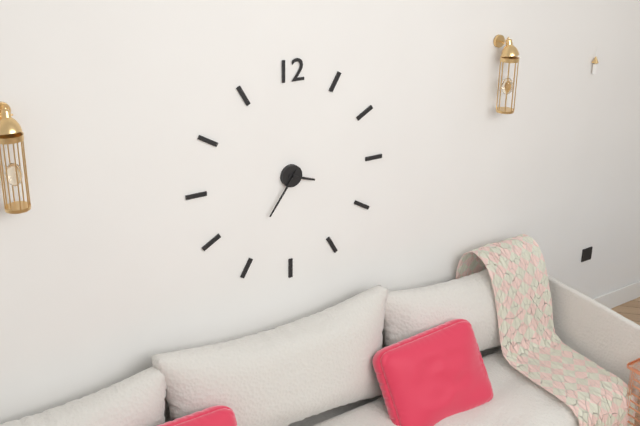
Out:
3.36
